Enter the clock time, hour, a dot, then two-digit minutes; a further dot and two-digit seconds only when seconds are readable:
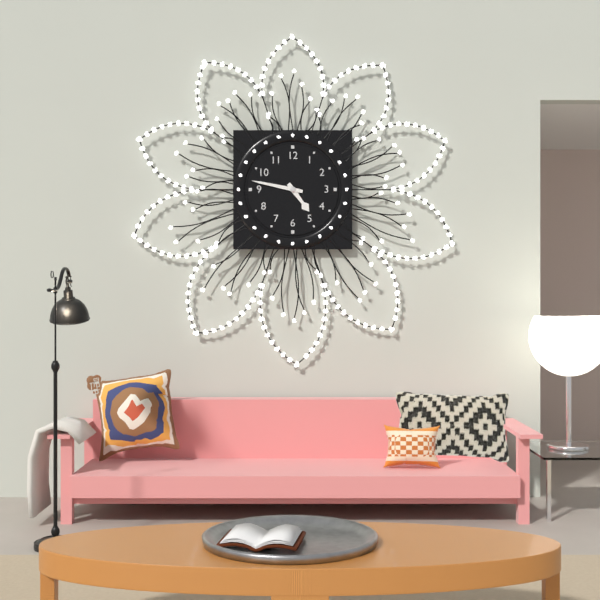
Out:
4.47
